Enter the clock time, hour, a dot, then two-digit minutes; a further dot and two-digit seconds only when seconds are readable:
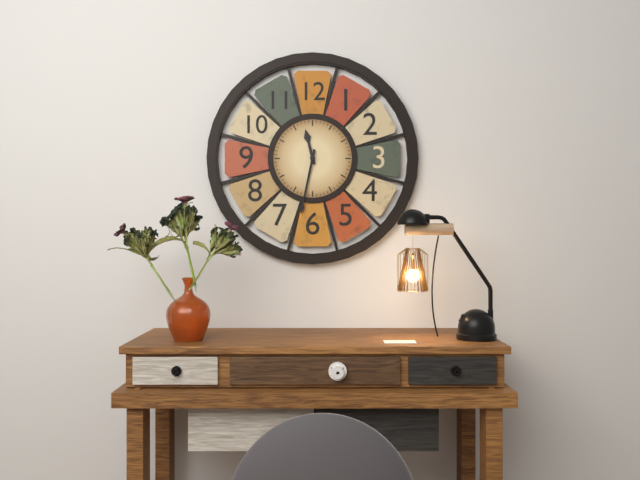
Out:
11.32
